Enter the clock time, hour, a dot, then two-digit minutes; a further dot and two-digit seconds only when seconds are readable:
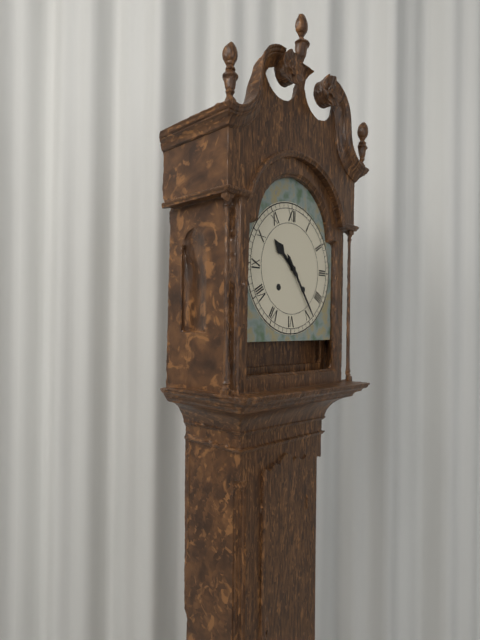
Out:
10.24
